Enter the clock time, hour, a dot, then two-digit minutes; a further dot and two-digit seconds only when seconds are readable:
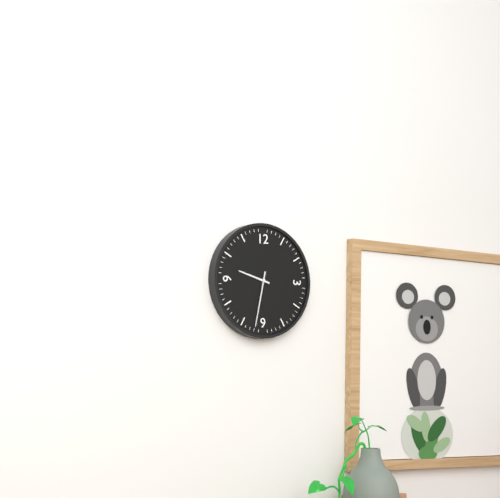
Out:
9.32
